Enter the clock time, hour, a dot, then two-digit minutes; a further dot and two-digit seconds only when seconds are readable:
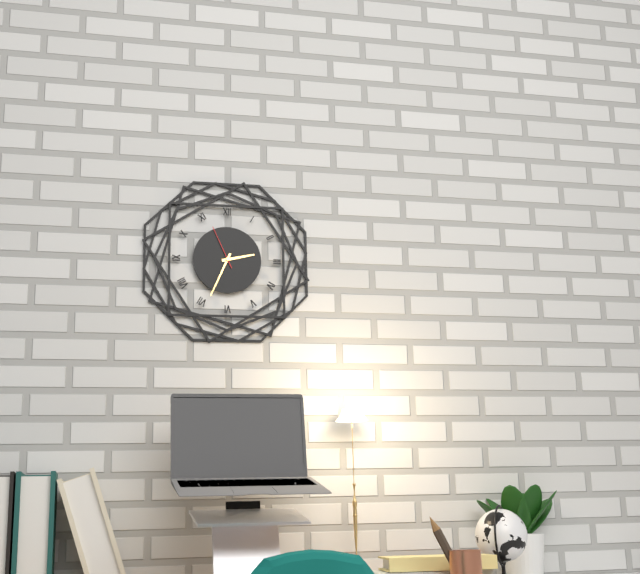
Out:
2.34
